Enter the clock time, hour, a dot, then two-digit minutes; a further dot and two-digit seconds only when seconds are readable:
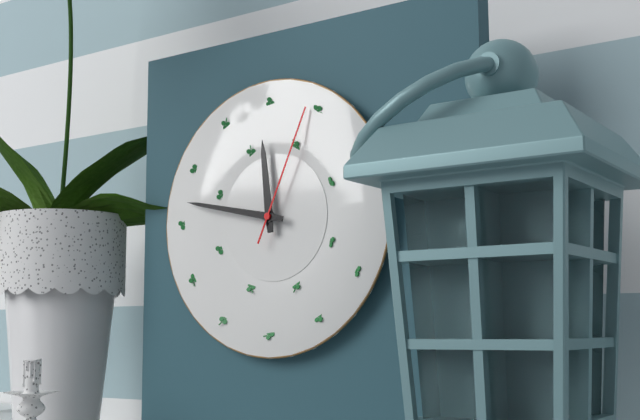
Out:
11.47.04
